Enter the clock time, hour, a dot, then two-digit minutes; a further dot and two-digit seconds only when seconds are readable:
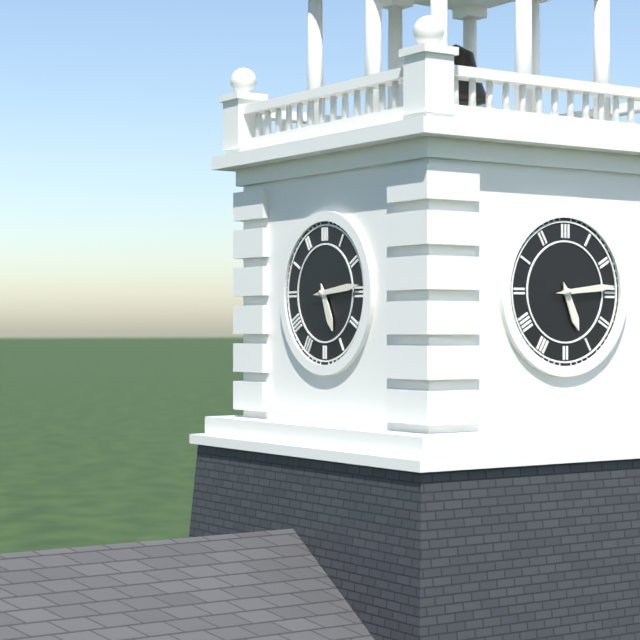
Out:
5.14
